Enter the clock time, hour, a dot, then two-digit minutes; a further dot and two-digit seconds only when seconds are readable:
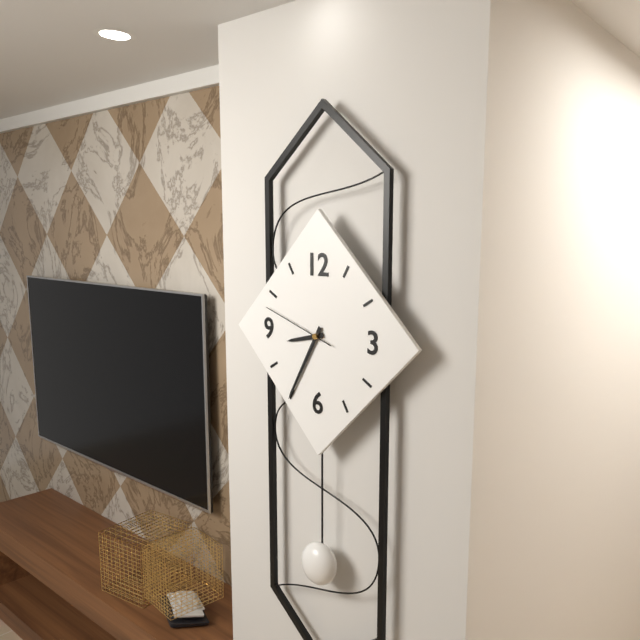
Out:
8.35.48
